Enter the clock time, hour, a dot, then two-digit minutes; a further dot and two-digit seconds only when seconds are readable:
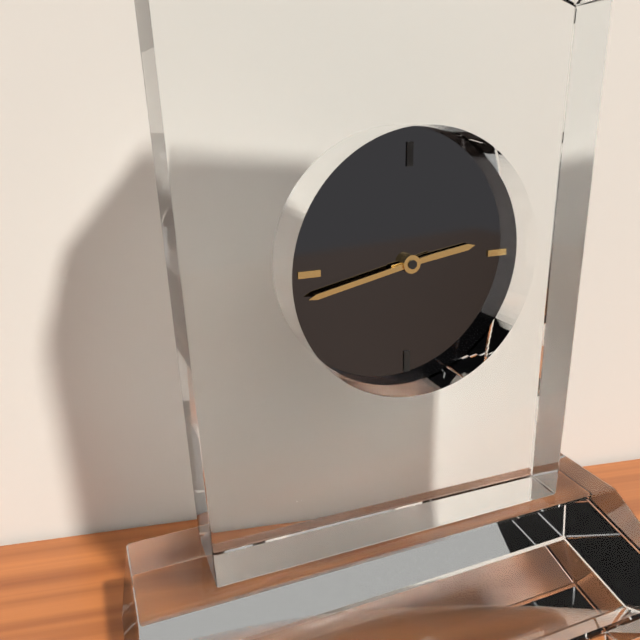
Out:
2.43
